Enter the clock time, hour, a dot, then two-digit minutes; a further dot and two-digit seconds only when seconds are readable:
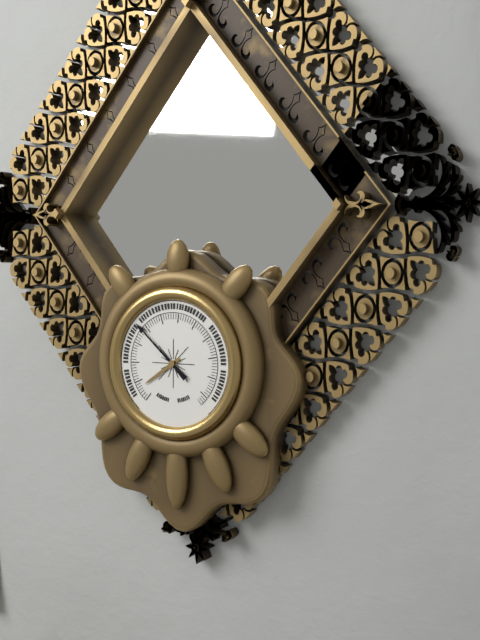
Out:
7.52
